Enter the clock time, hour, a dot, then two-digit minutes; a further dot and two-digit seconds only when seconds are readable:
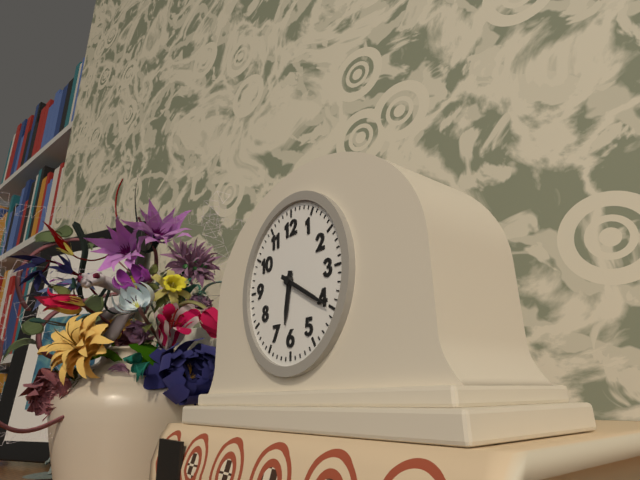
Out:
6.20
